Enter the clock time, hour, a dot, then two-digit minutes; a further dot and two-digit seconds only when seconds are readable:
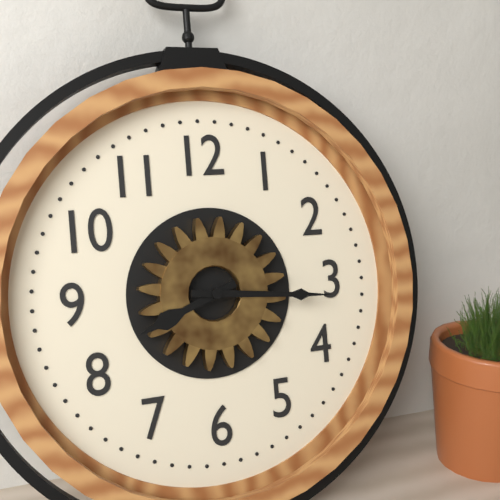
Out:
8.16
